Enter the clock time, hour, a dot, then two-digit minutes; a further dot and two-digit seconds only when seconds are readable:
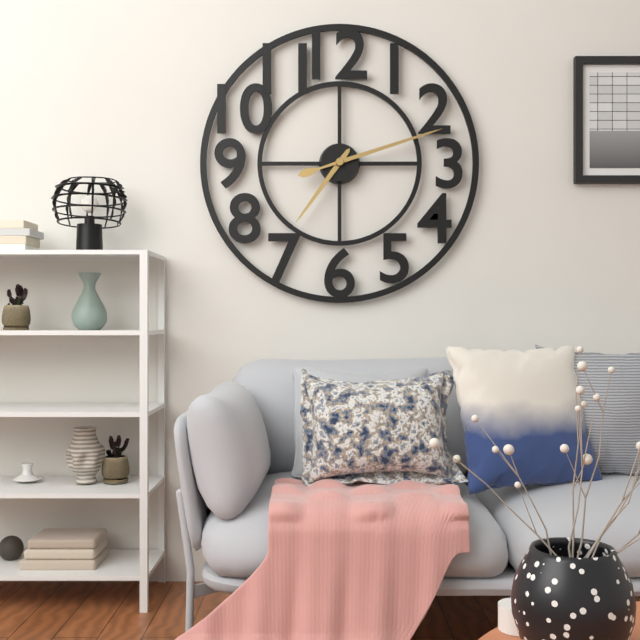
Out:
7.12
